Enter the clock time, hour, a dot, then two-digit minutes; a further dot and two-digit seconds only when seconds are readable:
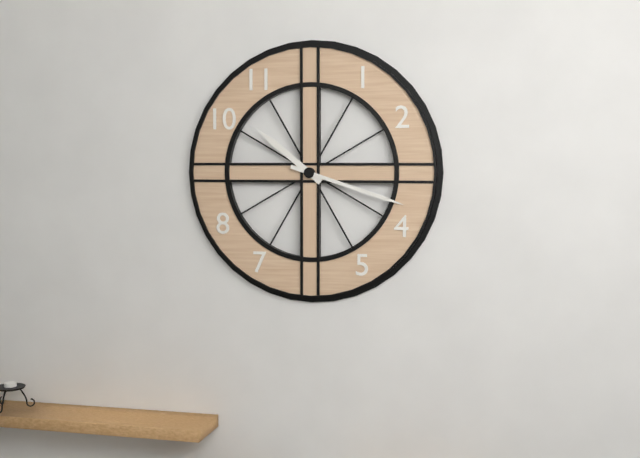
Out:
10.18
